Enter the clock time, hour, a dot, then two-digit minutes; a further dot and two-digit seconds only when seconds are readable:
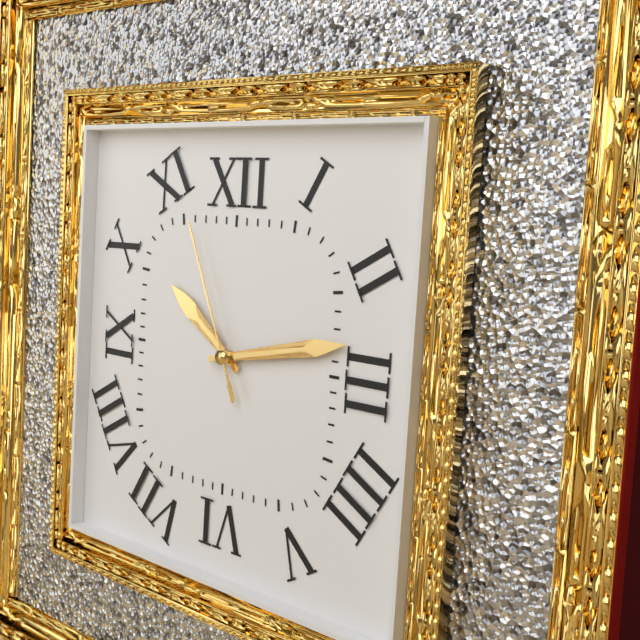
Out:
10.13.56
